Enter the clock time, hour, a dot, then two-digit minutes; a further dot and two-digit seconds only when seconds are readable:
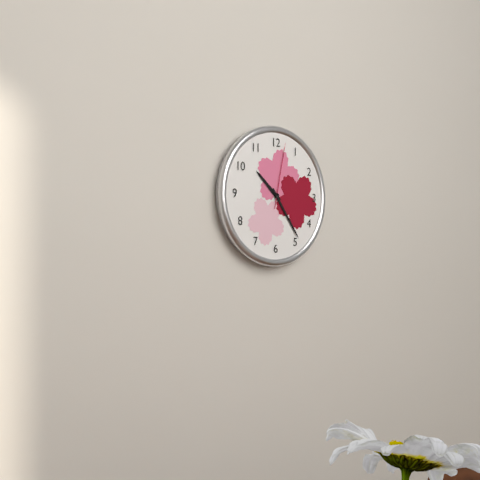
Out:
10.24.02
